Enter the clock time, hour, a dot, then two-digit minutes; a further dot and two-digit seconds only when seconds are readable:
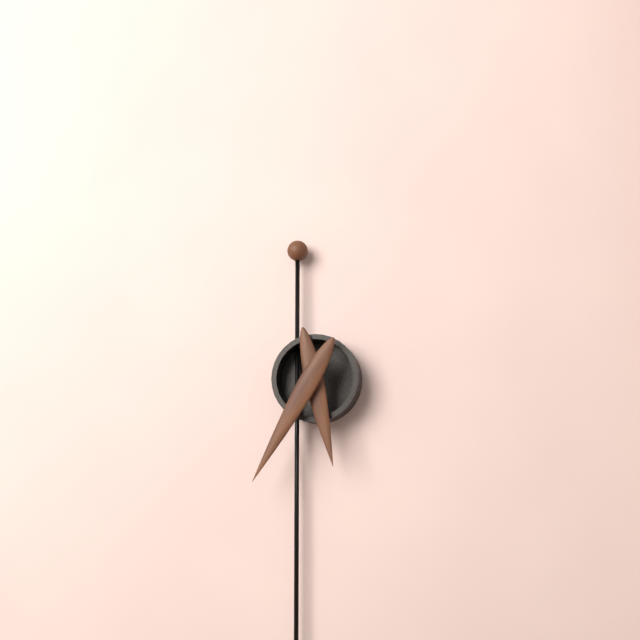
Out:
5.35
